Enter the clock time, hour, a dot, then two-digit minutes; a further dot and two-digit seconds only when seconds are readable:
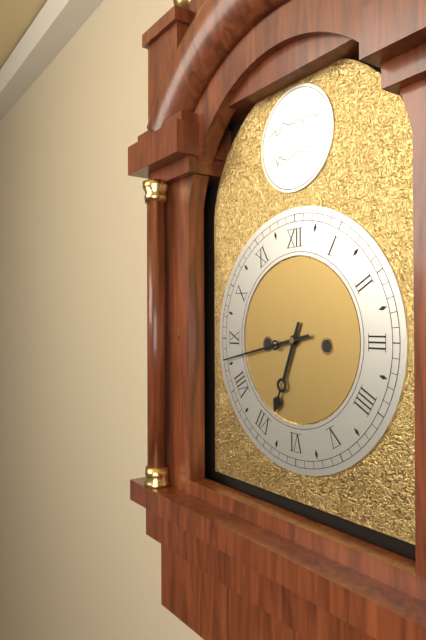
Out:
6.43
